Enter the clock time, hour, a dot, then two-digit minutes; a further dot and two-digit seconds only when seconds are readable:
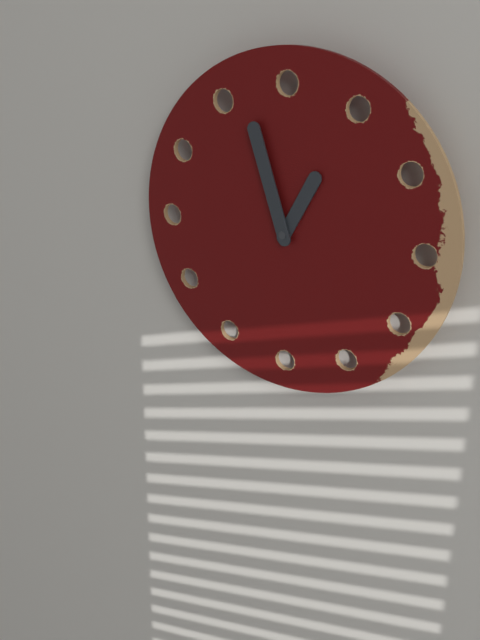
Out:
12.57
